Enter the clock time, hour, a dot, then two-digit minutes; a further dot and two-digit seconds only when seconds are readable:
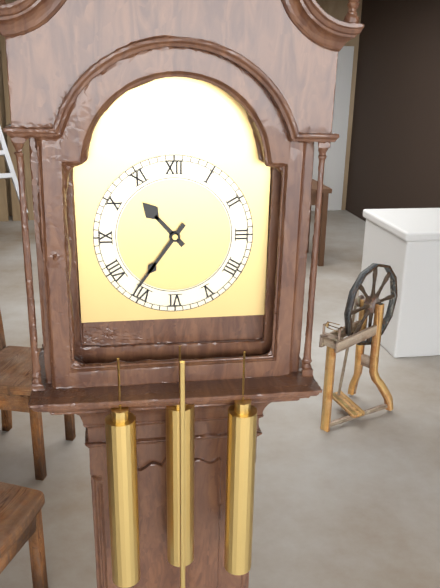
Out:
10.36
